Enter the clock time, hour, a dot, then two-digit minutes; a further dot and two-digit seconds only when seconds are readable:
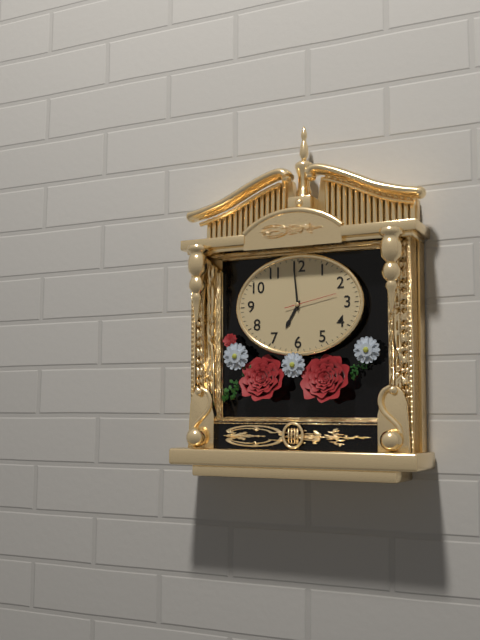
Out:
6.59.13
